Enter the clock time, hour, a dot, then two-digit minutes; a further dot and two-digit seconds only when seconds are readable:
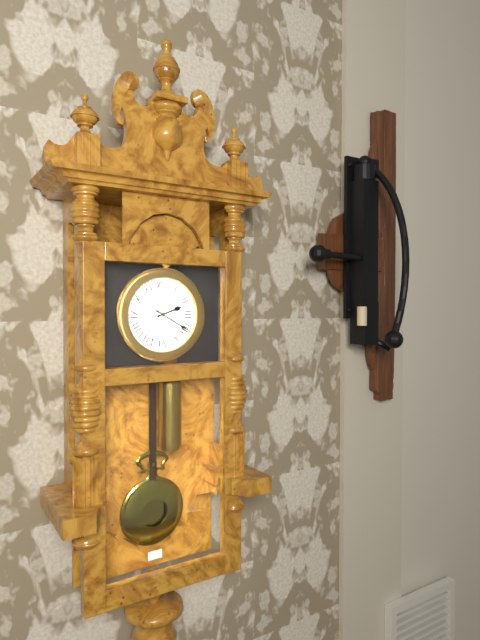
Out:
2.20
